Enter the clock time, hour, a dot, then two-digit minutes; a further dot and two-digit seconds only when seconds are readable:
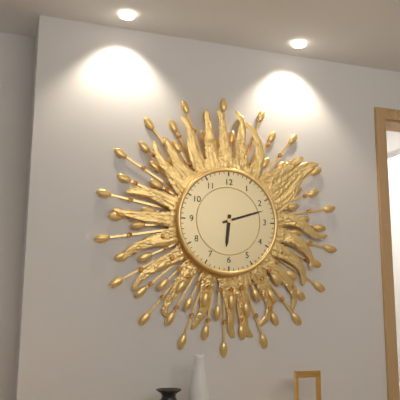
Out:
6.12
